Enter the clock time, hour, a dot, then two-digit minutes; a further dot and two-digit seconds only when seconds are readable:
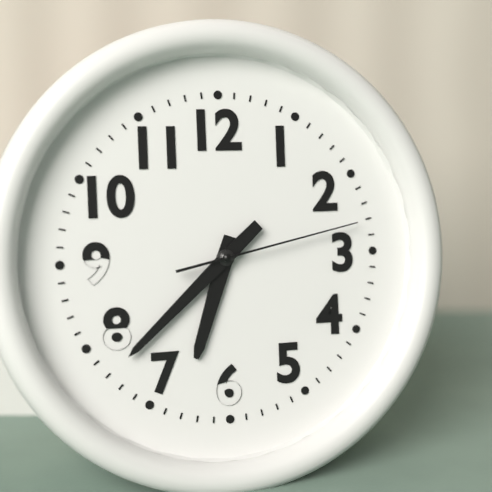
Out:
6.38.13
